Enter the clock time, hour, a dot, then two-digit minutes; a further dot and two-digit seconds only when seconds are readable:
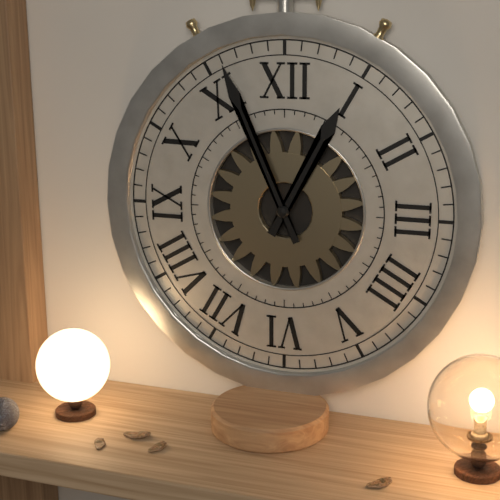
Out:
12.56
